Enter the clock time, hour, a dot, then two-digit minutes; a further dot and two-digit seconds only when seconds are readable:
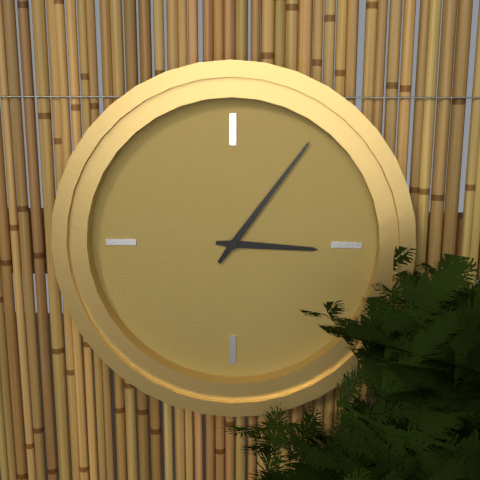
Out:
3.06
